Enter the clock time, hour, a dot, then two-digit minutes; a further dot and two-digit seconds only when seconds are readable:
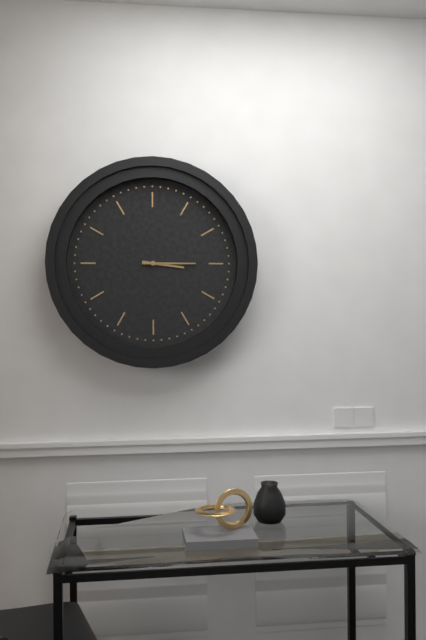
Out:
3.15
